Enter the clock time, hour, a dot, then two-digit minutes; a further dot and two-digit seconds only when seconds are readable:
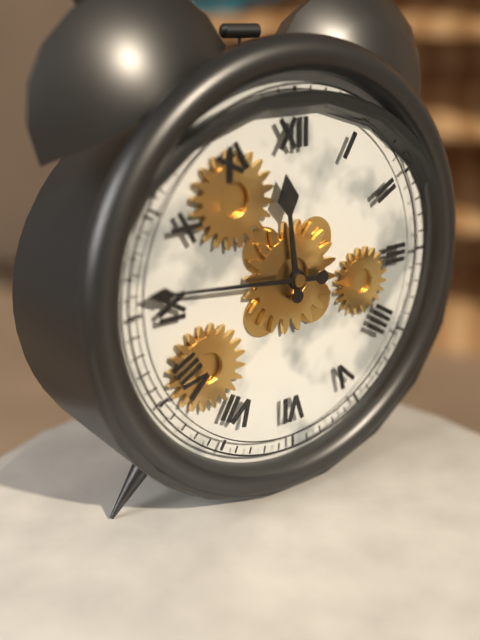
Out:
11.46
